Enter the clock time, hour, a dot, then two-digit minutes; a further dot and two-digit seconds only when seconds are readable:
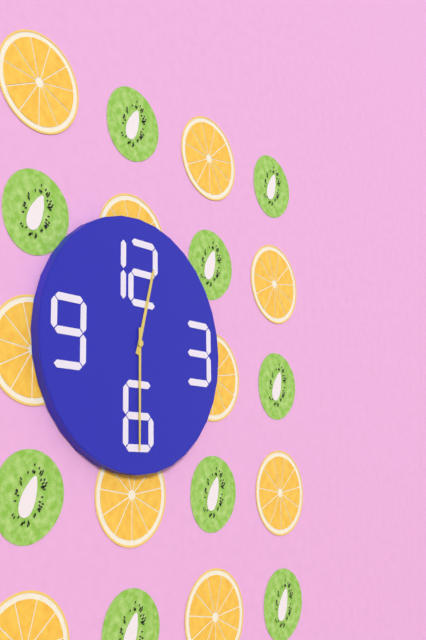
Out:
12.30
